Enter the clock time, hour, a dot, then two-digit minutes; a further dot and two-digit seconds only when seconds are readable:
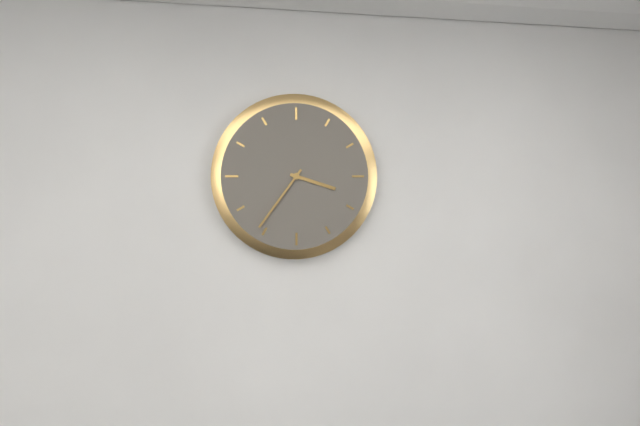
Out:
3.36
